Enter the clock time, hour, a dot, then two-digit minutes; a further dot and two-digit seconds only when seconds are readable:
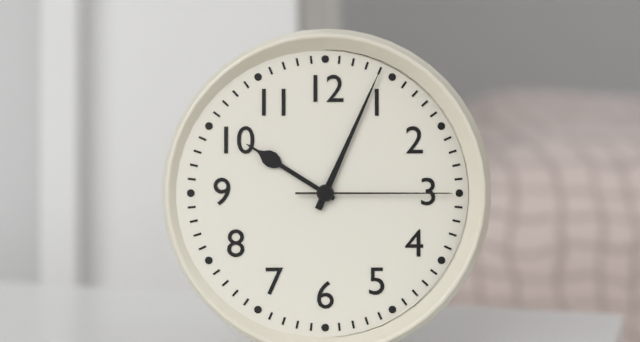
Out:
10.04.15
